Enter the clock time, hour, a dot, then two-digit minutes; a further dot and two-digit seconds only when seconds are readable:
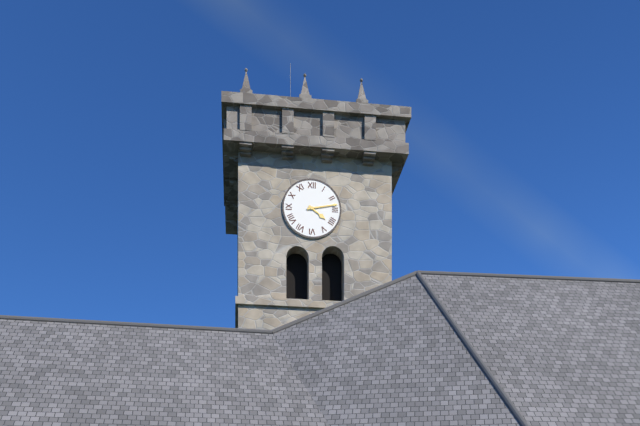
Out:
4.13
